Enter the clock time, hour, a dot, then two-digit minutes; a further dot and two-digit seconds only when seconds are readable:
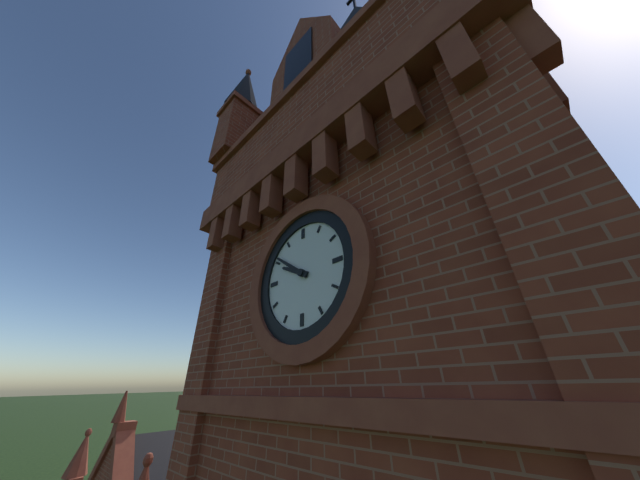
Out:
9.51
